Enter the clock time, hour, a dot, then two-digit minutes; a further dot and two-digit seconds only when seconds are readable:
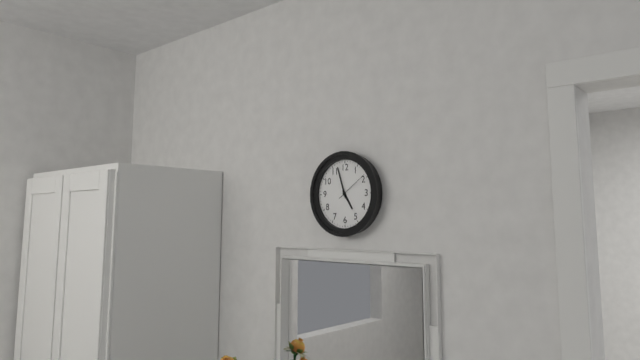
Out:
4.57
